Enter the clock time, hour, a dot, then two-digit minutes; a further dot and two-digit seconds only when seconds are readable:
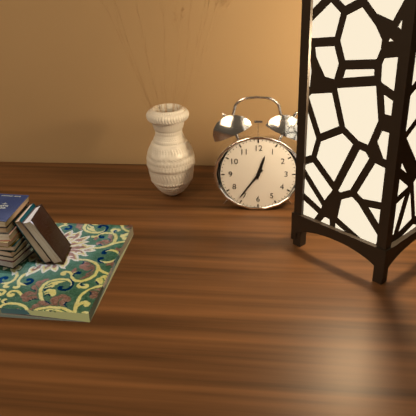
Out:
12.36
